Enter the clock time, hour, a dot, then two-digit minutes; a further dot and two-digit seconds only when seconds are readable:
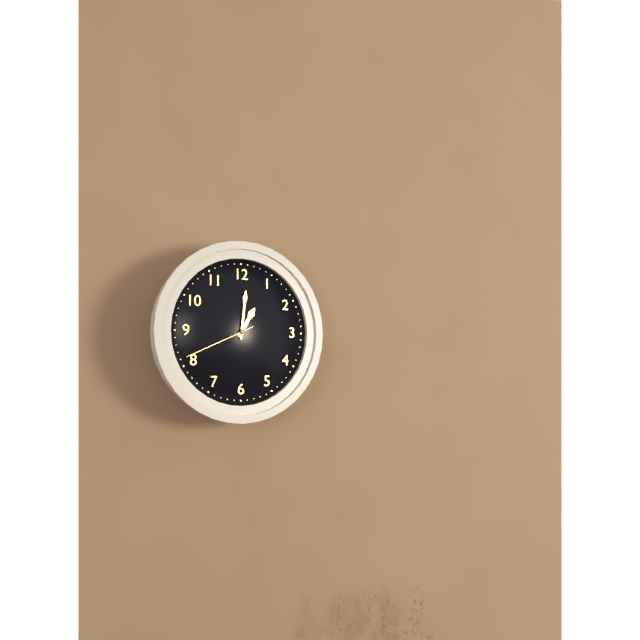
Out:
1.01.41
